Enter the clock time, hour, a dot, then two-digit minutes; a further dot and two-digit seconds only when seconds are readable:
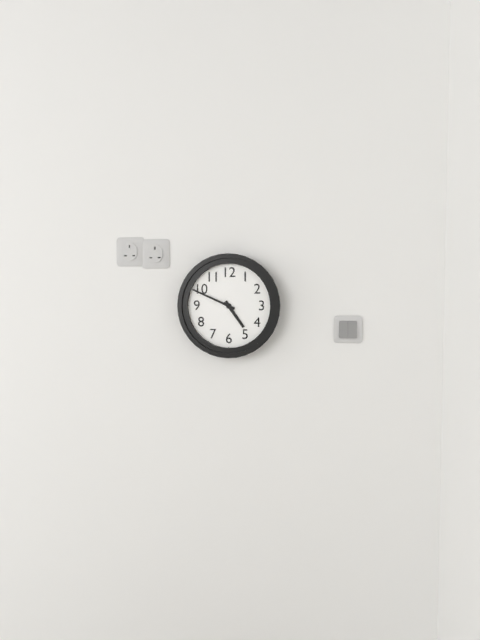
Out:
4.49
